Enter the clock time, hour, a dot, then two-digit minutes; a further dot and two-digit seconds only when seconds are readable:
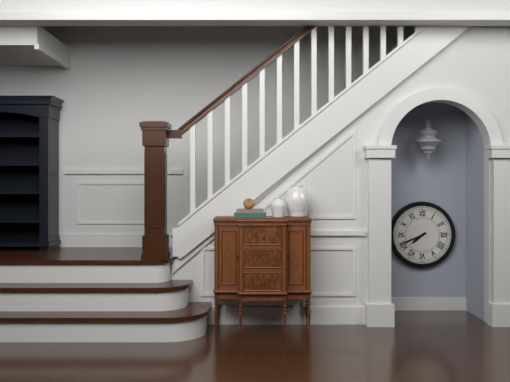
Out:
7.41
